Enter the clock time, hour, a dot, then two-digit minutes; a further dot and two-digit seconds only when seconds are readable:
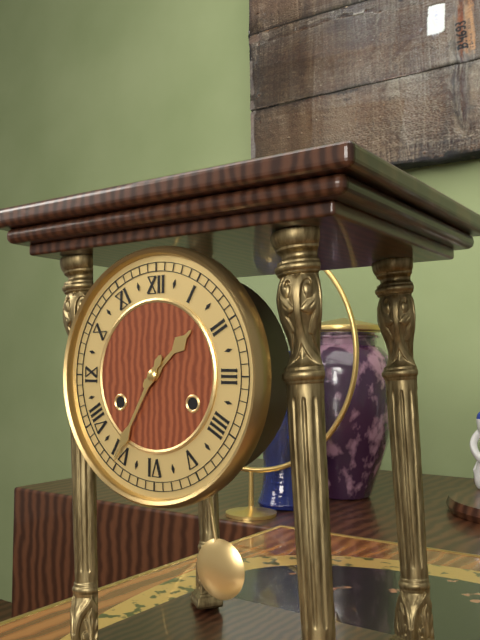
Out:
1.35
